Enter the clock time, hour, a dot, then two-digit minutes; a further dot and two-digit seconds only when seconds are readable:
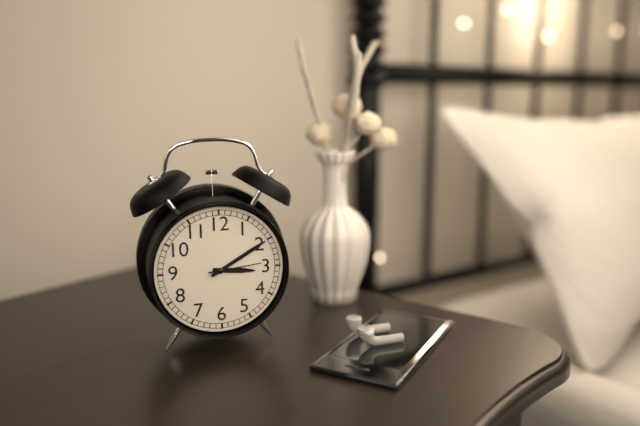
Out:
3.10.14
